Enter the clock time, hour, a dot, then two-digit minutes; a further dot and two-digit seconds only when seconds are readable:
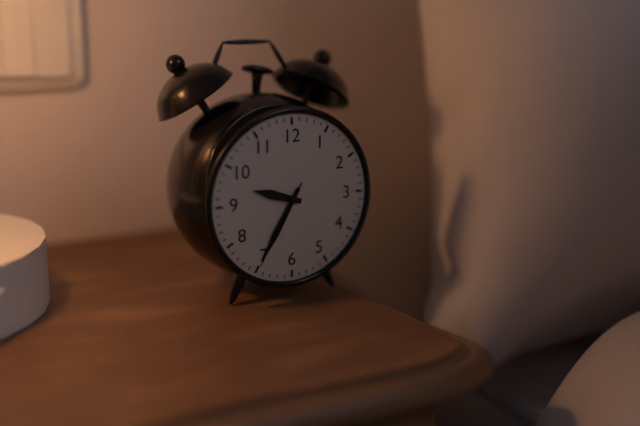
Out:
9.35.35
